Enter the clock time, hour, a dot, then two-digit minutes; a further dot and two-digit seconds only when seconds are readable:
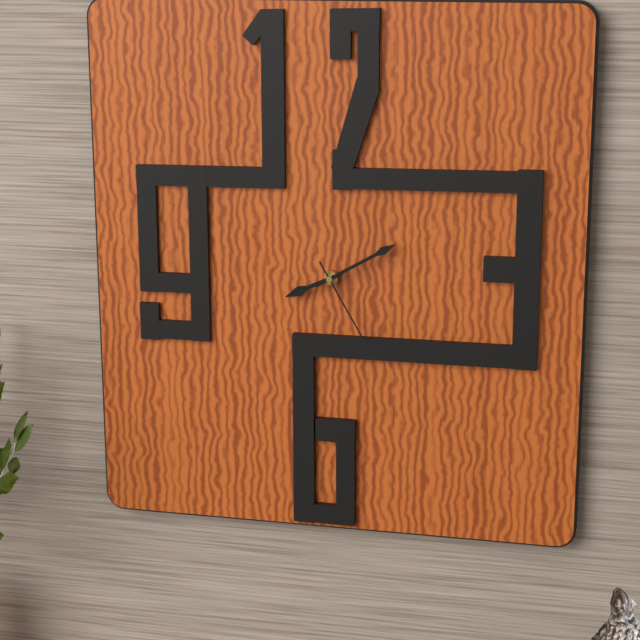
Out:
8.10.25
